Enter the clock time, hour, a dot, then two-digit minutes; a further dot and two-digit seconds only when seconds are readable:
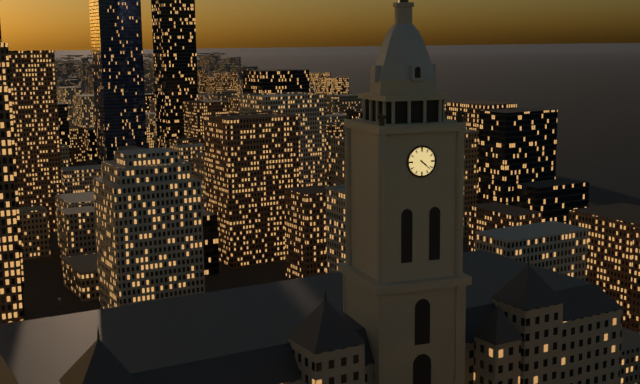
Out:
4.22
